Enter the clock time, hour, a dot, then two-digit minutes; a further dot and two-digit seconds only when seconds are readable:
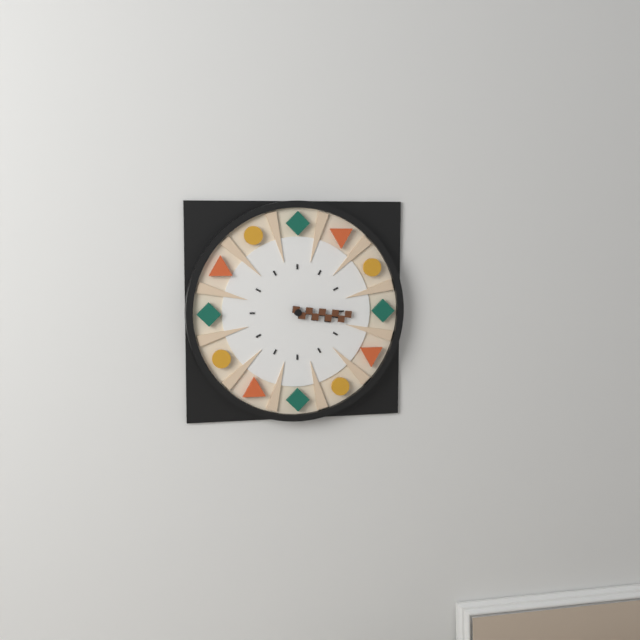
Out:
3.16
